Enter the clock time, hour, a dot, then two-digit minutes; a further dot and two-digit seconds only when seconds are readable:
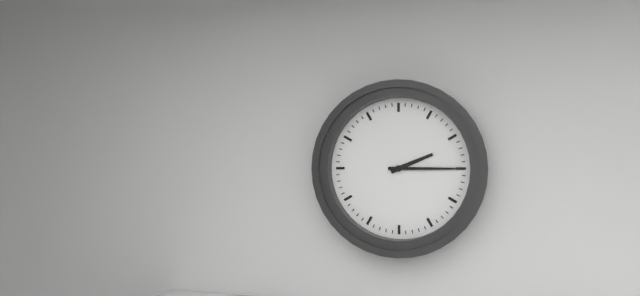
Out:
2.15
